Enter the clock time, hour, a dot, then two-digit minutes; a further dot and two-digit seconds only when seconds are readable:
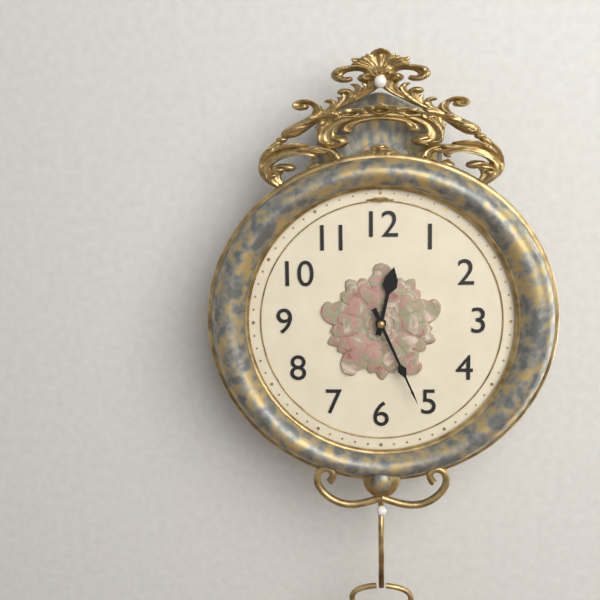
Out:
12.26
